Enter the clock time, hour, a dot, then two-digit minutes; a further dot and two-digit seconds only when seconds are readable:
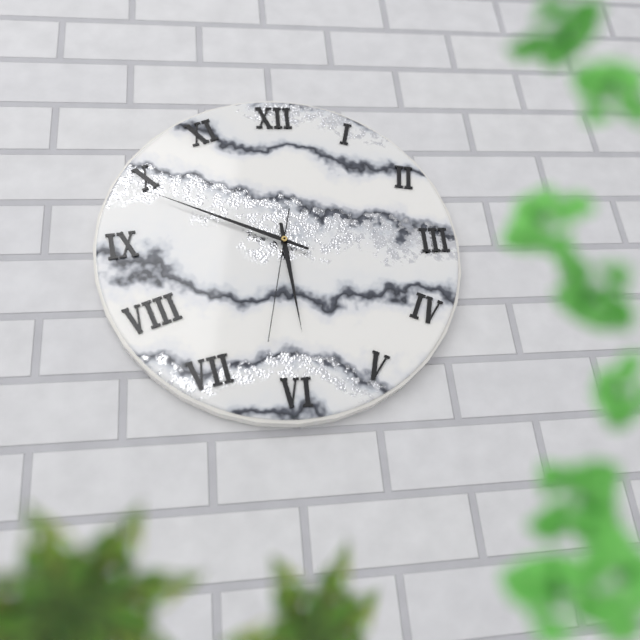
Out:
5.49.32
